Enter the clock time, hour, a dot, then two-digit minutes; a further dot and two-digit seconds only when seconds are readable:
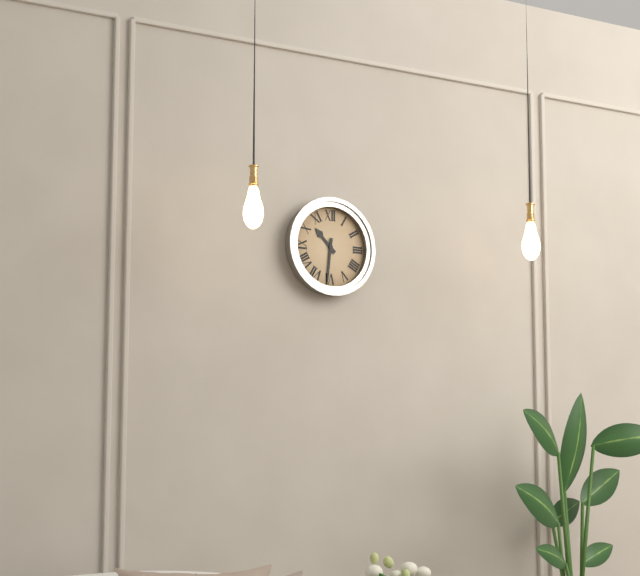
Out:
10.31
